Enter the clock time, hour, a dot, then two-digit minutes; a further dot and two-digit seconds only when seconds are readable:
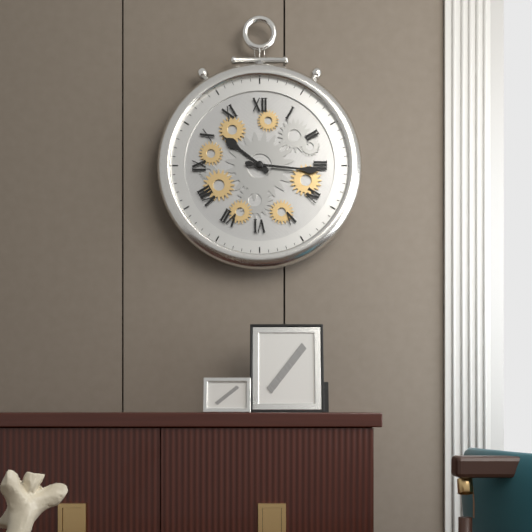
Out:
10.16
